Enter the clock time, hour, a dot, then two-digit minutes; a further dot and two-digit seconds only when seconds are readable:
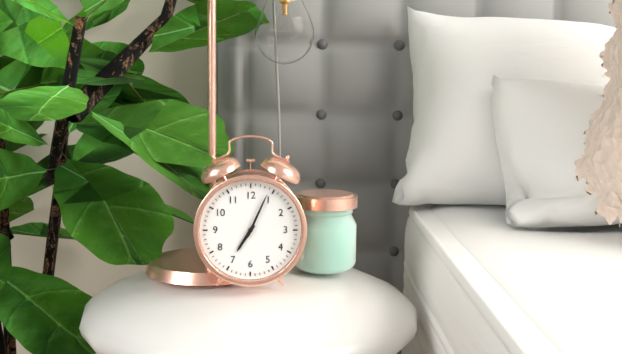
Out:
7.04
